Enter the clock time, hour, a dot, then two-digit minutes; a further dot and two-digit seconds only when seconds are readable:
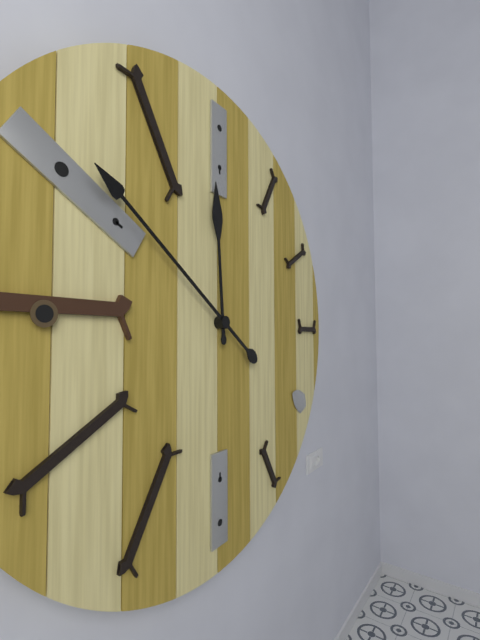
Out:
11.51
